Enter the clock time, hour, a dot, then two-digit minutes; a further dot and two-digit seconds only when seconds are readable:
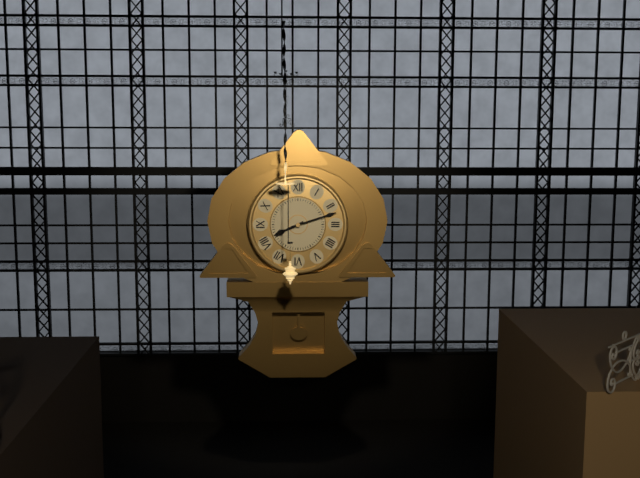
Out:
8.12
